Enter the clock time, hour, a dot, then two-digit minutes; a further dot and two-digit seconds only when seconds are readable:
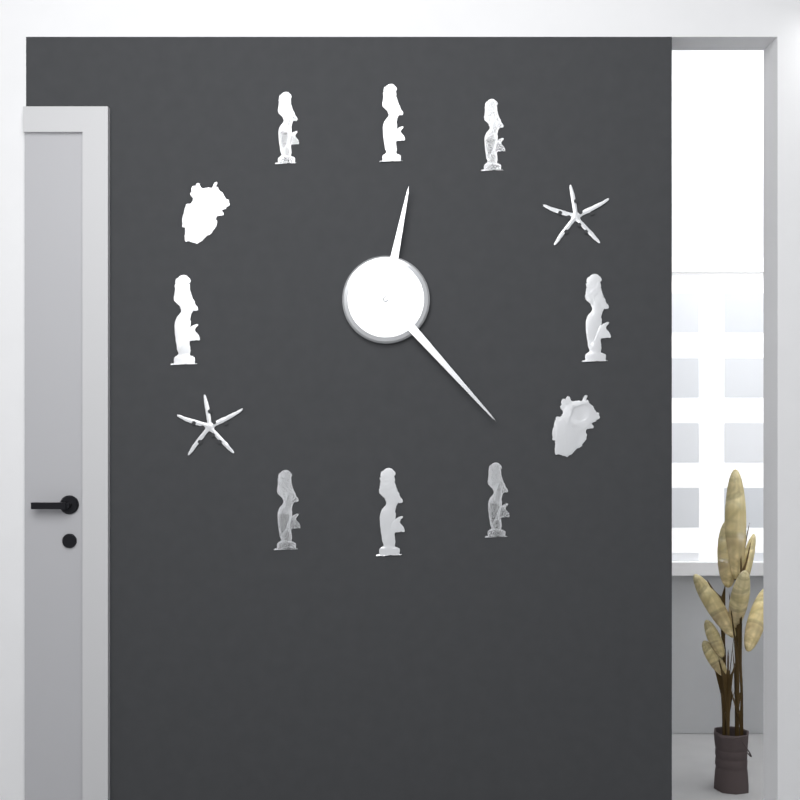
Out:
12.23
